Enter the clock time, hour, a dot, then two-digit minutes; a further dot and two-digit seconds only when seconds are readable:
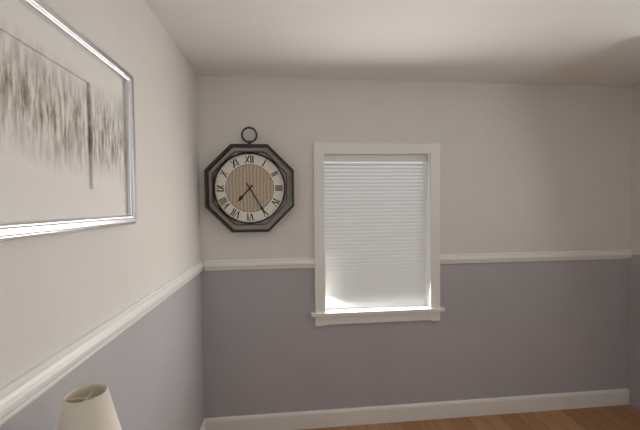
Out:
7.25
